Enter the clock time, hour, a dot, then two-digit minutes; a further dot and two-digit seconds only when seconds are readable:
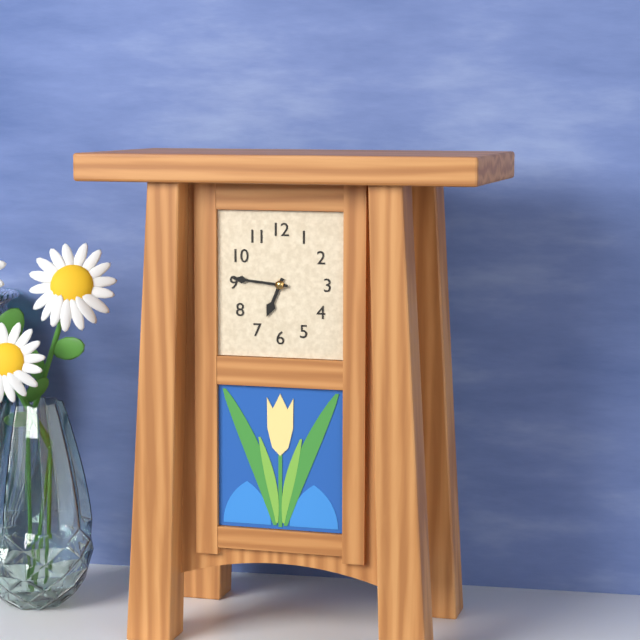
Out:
6.46
